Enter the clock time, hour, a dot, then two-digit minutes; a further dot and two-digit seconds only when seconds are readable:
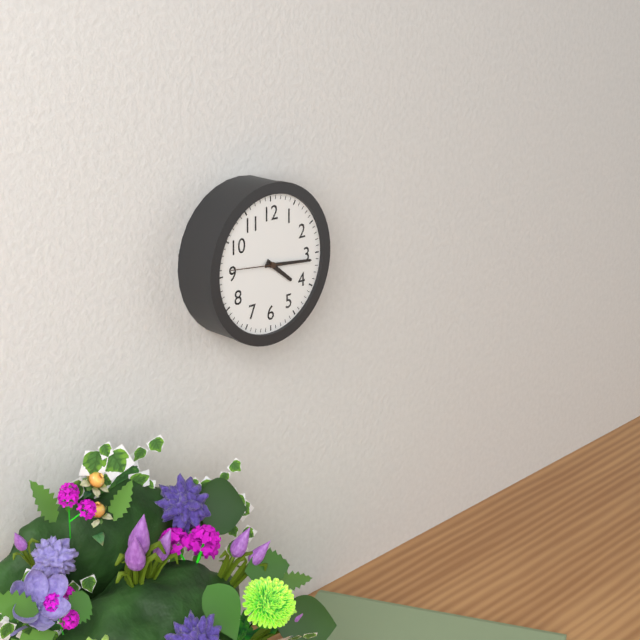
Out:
4.16.46
